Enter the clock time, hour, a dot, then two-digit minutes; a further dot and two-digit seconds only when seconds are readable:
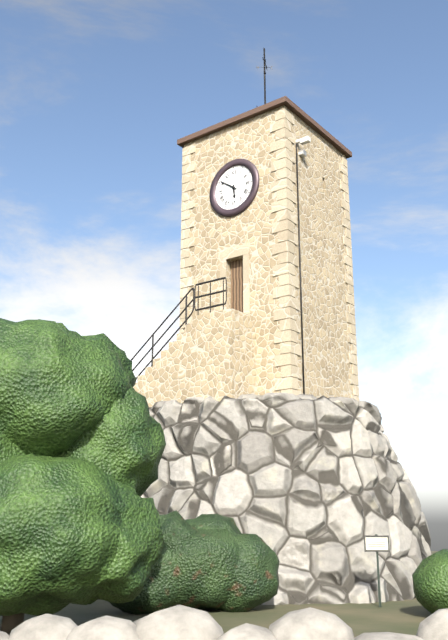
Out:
5.51
